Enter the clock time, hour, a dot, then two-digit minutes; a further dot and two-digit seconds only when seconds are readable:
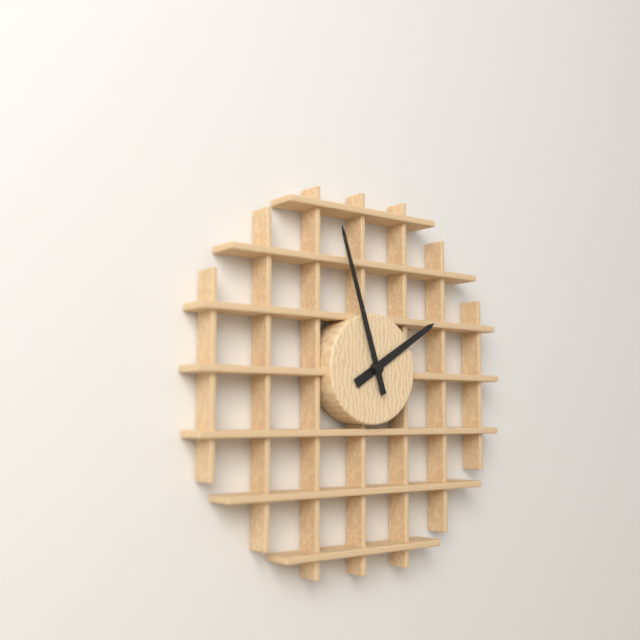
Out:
1.57
